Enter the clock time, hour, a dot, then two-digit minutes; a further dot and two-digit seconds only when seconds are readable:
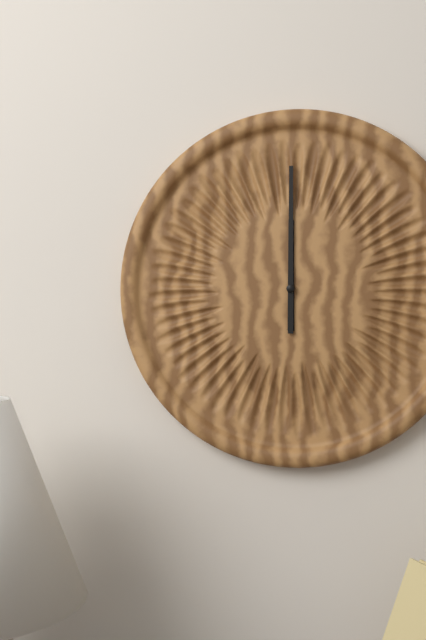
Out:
12.00
